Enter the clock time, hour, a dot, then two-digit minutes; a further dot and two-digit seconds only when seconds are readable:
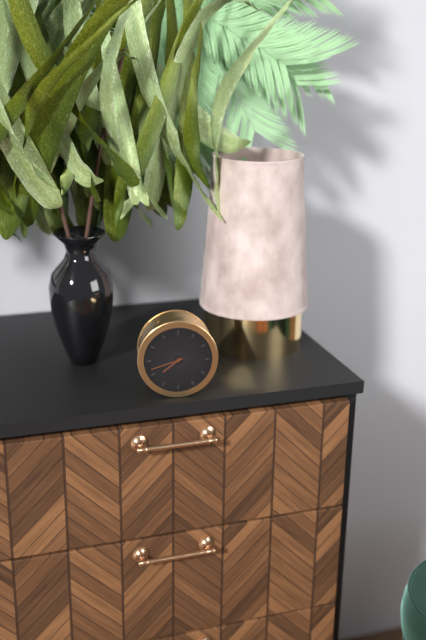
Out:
7.42
